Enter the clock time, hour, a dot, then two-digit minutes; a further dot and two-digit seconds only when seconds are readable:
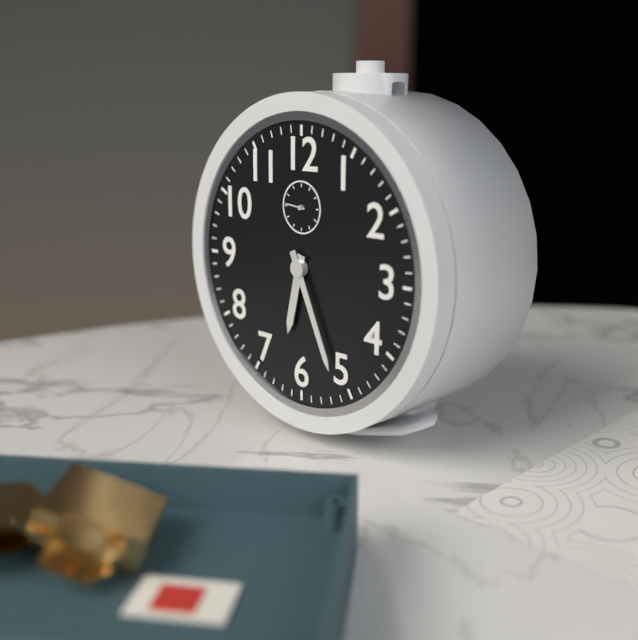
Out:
6.26
